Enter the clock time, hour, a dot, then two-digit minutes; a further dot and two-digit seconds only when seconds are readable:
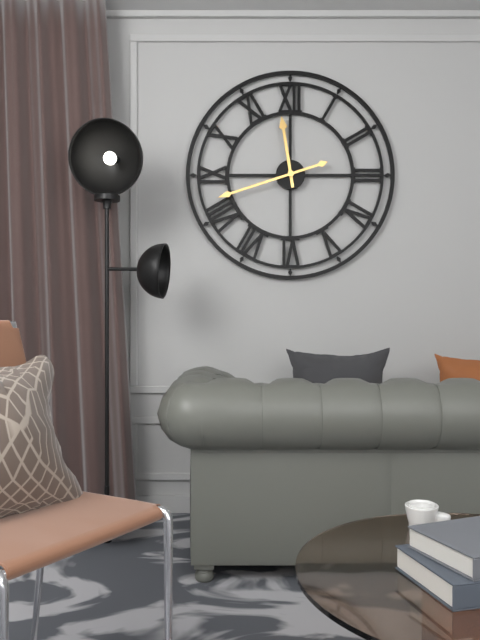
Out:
11.42
